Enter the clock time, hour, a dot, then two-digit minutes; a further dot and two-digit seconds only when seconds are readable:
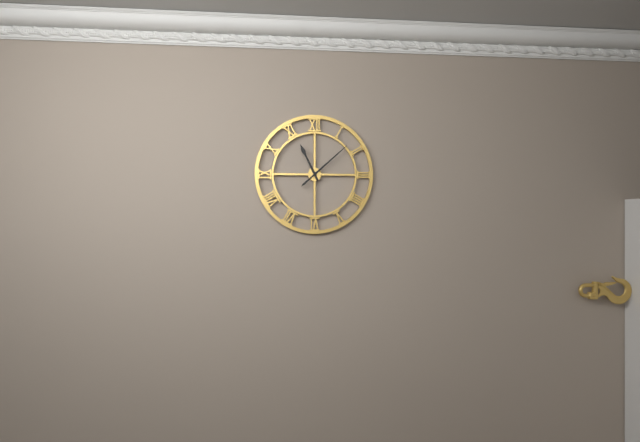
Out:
11.08
